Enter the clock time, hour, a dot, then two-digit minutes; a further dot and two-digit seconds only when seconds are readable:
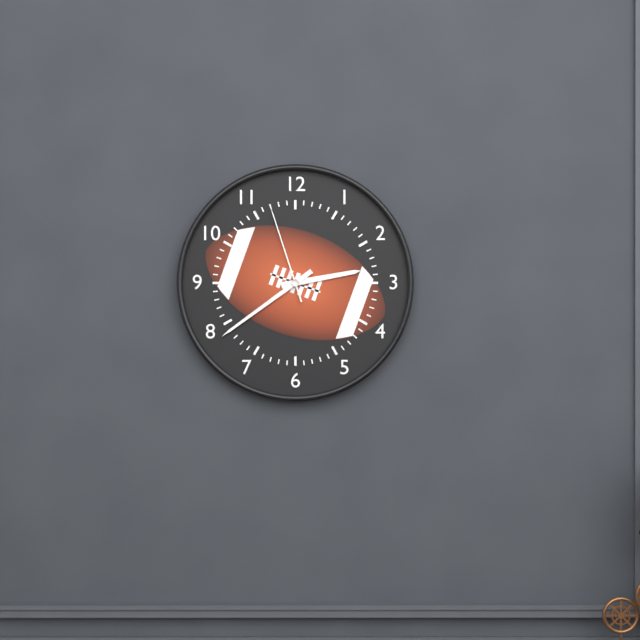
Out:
2.39.57
